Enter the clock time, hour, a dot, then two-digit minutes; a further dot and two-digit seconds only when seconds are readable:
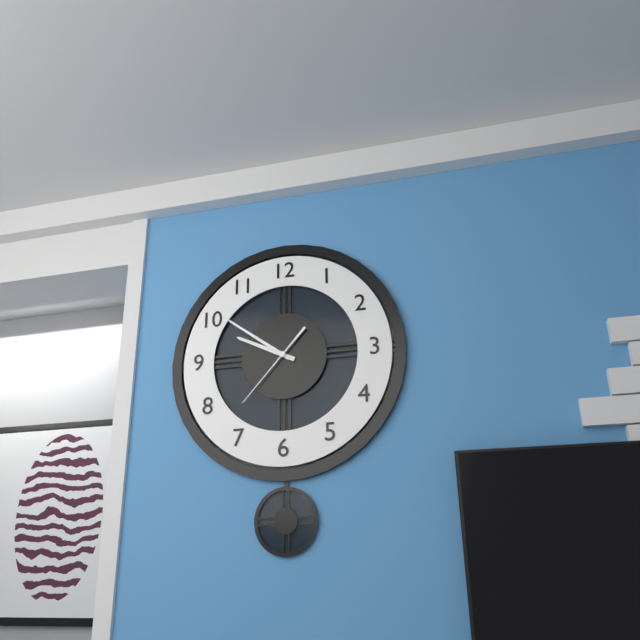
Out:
9.51.37
